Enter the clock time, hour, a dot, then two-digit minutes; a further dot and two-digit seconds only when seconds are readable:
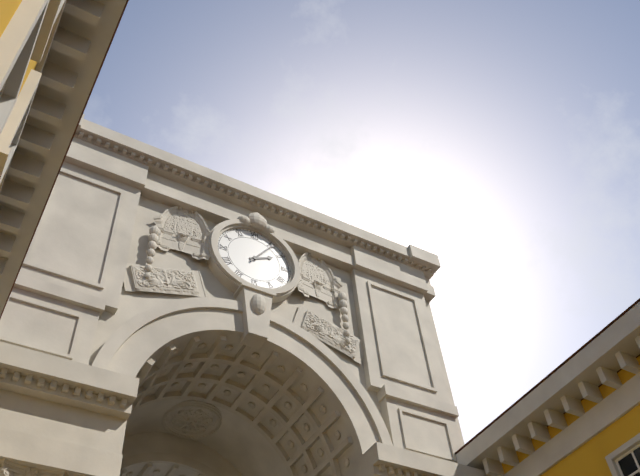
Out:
2.06
